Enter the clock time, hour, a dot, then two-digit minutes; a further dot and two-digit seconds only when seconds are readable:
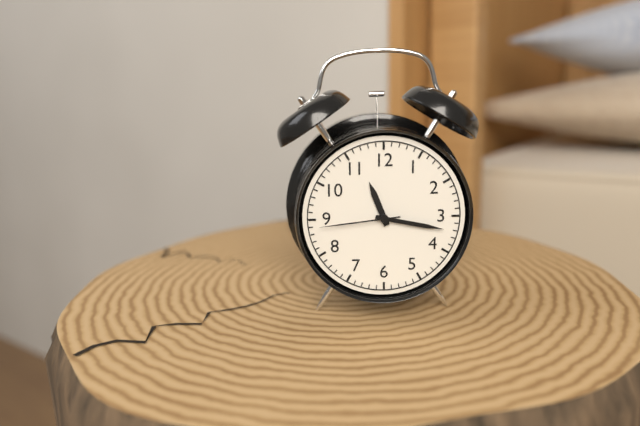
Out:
11.17.44
